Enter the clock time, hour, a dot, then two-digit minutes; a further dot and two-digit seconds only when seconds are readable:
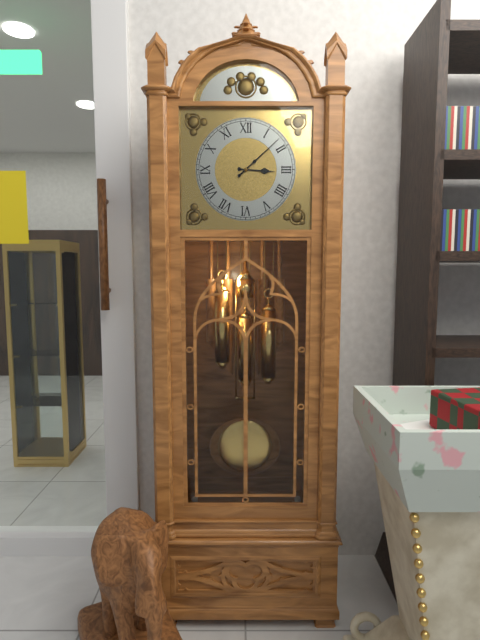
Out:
3.08
